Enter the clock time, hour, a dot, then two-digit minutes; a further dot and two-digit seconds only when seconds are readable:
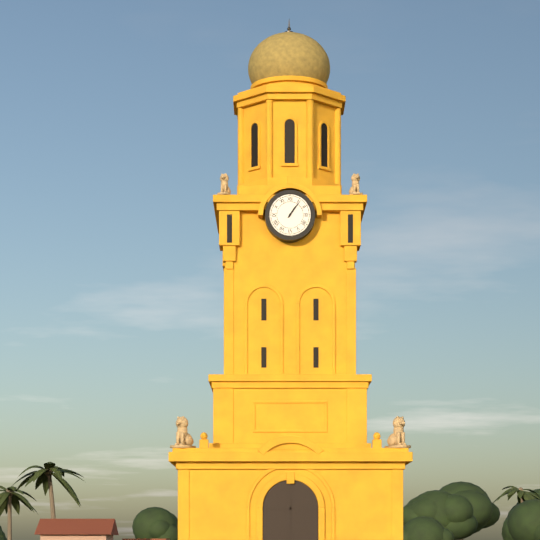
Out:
1.06
